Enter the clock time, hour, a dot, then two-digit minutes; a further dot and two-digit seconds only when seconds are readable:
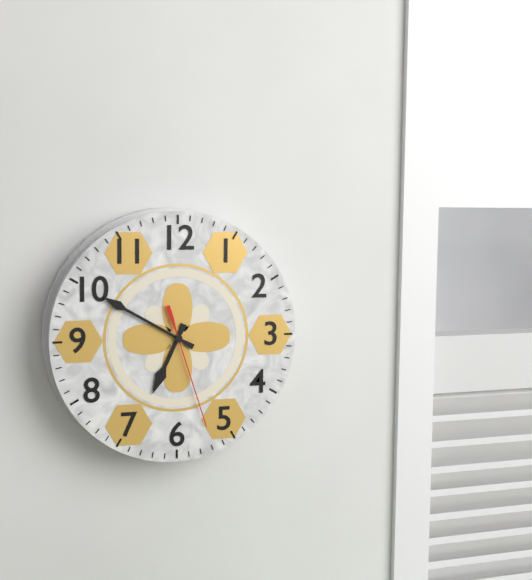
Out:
6.50.27
